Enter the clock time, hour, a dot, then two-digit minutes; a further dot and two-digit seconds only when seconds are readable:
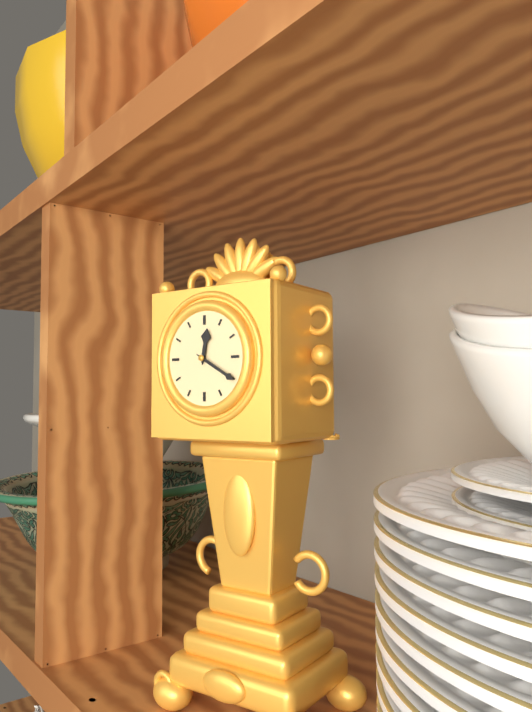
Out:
12.20
